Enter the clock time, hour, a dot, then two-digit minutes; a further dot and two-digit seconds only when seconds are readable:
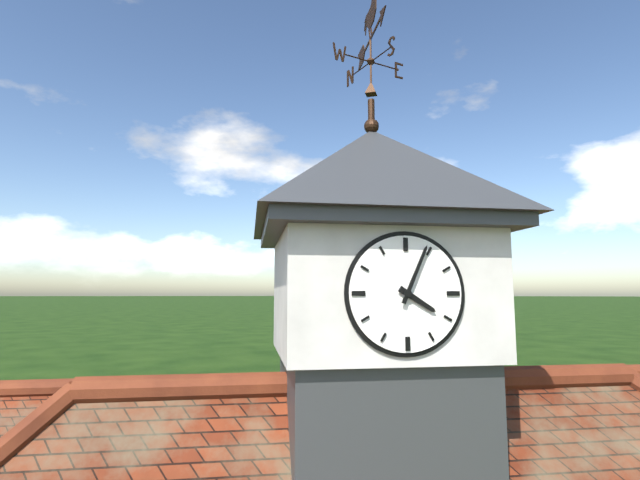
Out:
4.04
